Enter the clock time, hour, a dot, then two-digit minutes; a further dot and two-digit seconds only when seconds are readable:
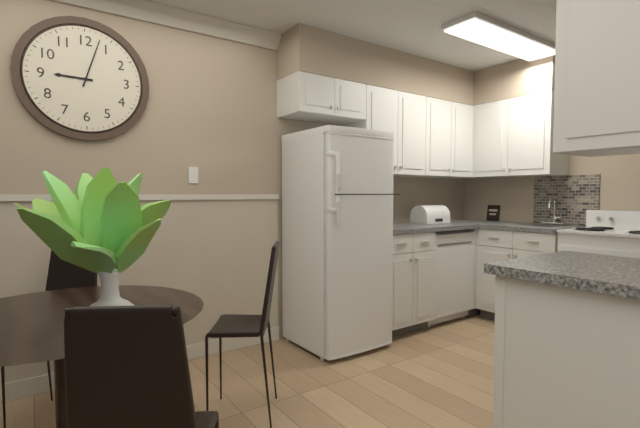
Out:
9.03
